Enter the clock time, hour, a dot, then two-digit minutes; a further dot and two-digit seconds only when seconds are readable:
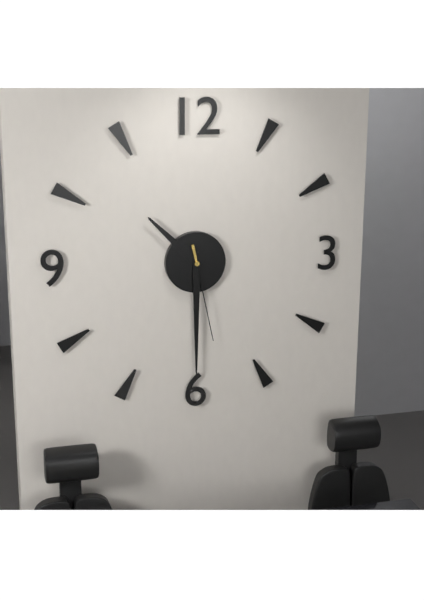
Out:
10.30.28
